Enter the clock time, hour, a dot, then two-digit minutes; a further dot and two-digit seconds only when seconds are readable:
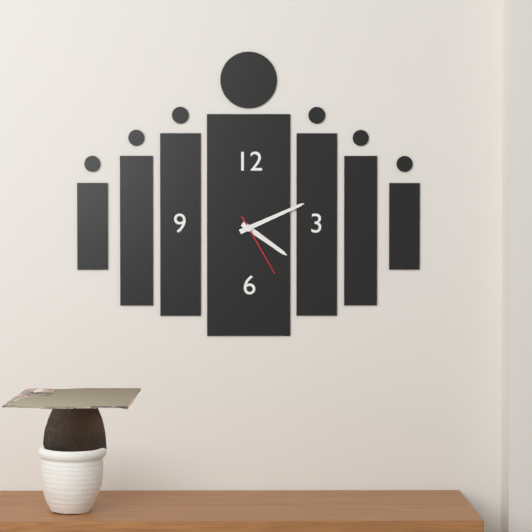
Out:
4.11.25
